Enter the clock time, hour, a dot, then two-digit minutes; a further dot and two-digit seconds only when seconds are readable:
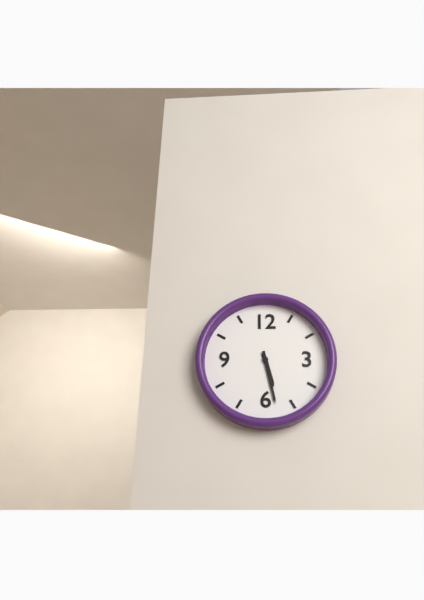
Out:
5.28
